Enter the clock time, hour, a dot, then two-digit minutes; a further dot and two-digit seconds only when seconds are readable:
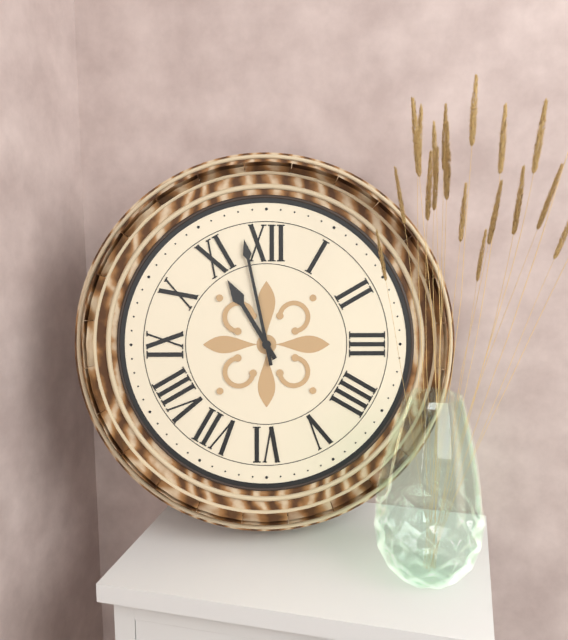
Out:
10.58
